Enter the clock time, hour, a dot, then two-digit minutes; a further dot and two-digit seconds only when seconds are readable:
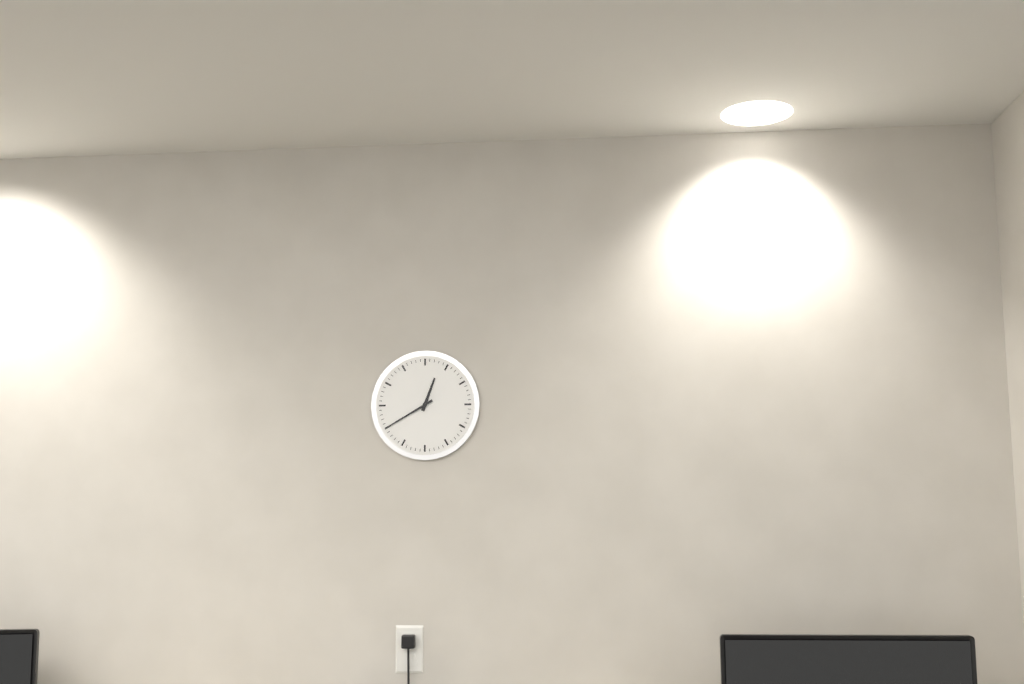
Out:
12.40
